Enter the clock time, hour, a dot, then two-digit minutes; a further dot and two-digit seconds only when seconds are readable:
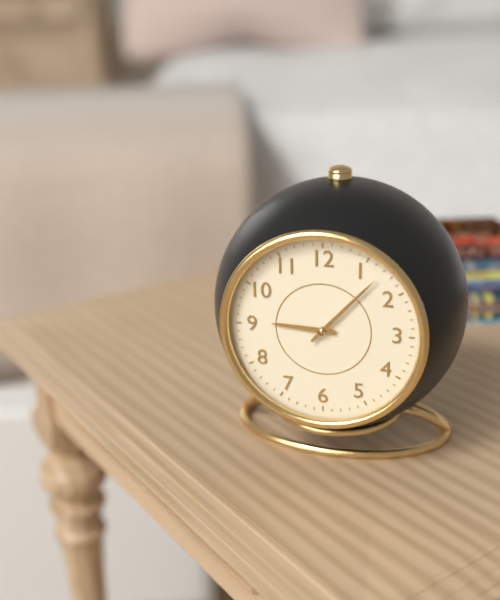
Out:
9.07
